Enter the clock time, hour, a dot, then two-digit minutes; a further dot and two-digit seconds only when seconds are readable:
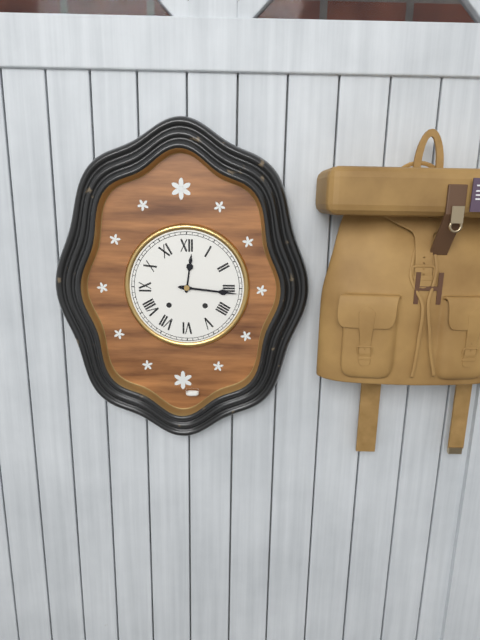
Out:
12.16
